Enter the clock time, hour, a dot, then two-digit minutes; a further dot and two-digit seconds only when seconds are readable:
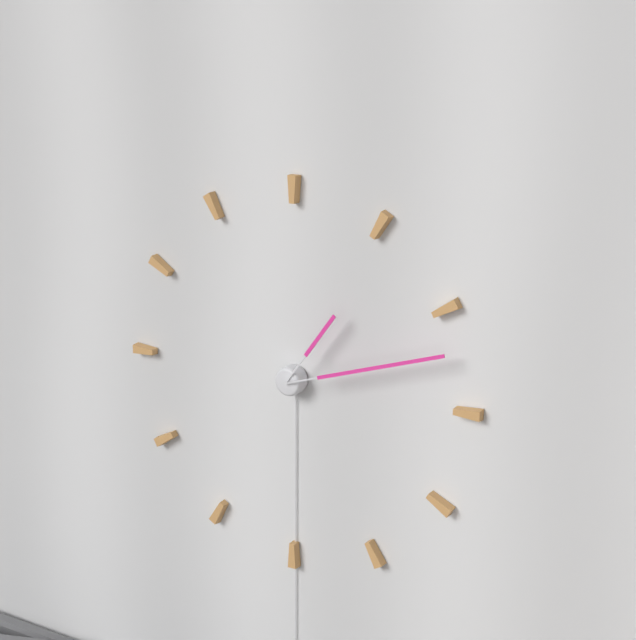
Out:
1.12
